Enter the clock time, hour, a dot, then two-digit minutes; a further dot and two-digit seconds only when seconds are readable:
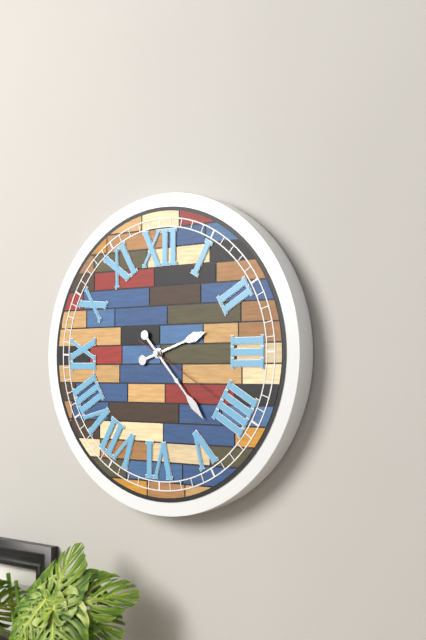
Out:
2.23.20
